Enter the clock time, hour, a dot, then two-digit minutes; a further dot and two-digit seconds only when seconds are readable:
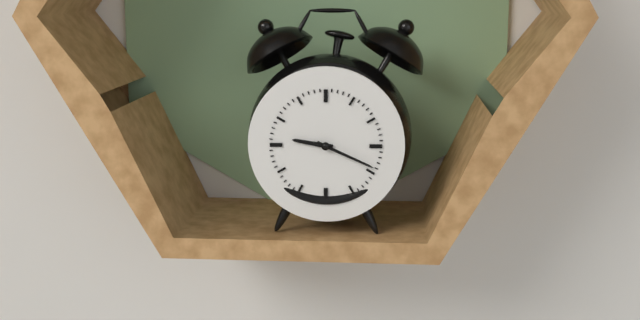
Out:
9.19
